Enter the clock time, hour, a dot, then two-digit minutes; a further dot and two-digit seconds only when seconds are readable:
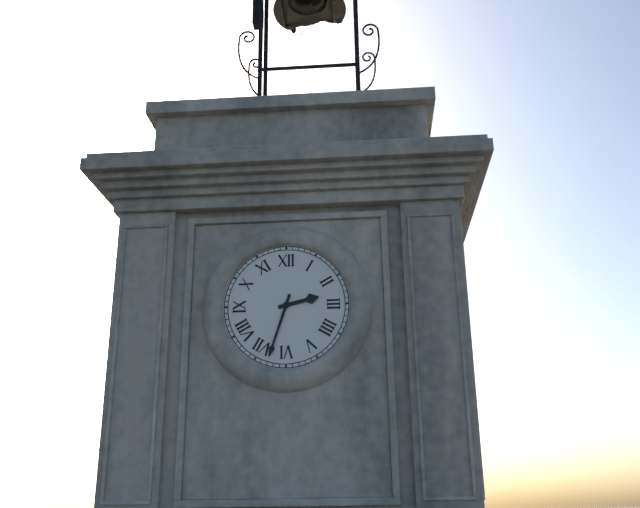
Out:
2.33
